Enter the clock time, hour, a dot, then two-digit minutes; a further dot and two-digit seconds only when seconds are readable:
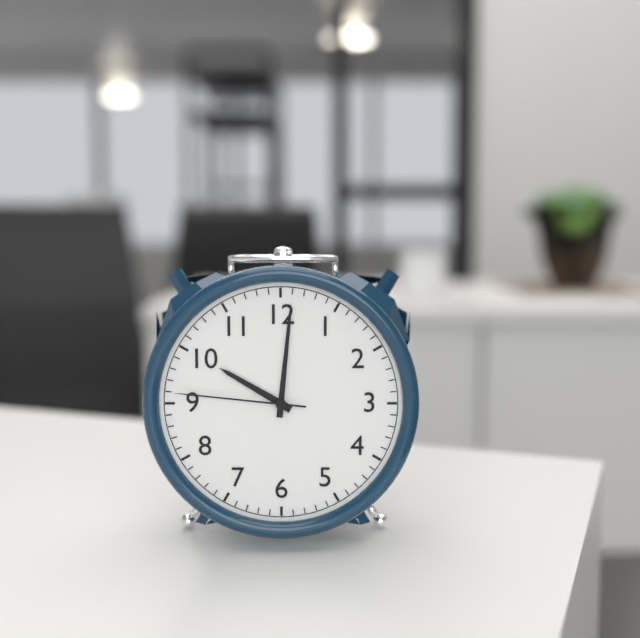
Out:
10.01.46
